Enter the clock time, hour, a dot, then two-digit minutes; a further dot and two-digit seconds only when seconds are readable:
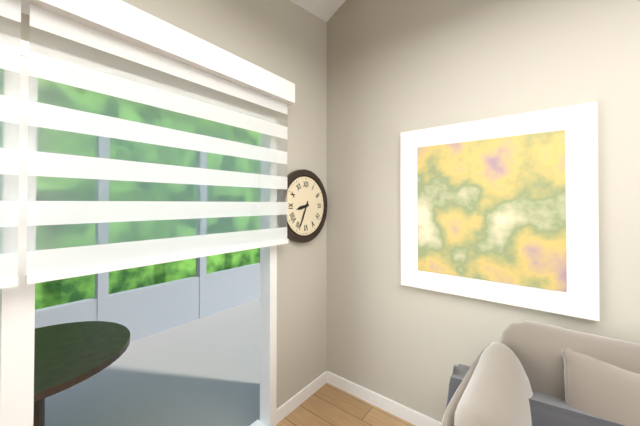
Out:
8.34
